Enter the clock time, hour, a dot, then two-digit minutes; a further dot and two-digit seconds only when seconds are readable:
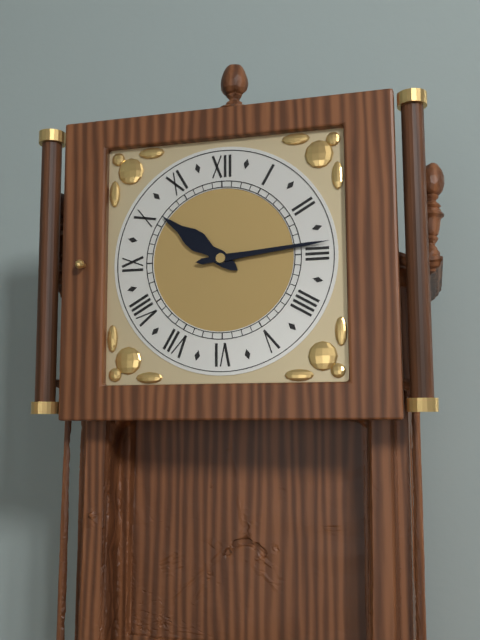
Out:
10.14
